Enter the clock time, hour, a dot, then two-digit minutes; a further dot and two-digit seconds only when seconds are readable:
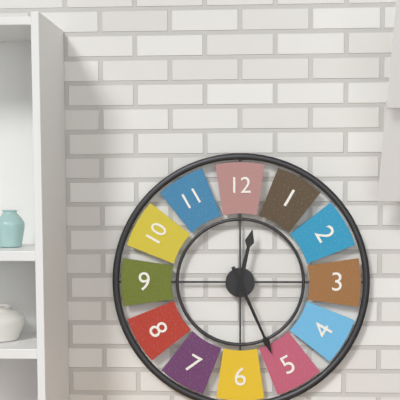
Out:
12.26
